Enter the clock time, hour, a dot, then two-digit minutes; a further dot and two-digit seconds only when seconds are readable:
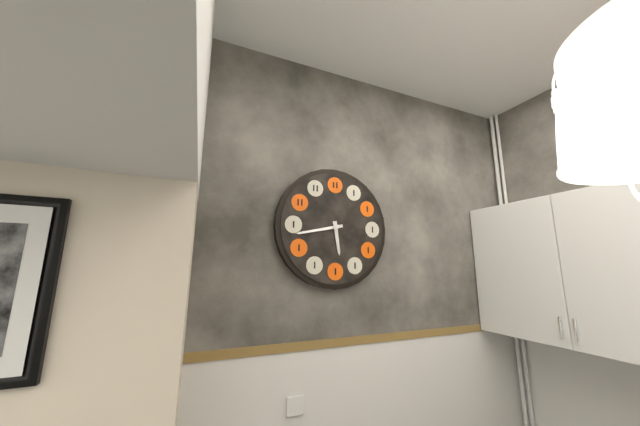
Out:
5.43
